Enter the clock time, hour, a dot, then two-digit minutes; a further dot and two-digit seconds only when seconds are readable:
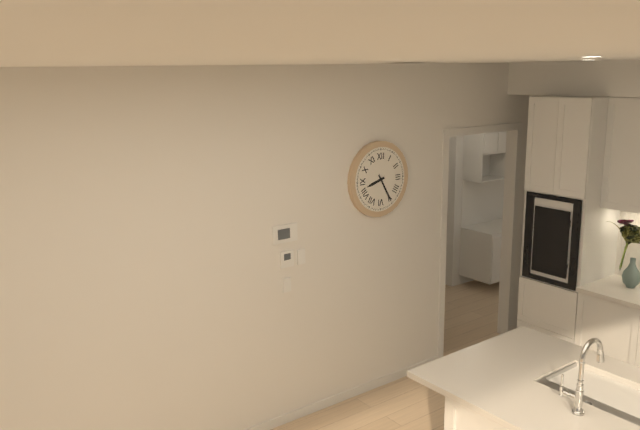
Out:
8.25
